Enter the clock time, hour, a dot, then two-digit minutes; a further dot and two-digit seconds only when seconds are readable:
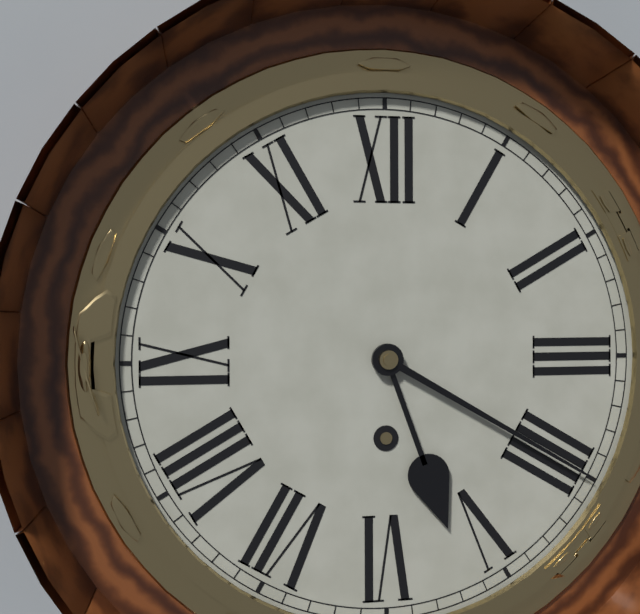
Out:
5.20
